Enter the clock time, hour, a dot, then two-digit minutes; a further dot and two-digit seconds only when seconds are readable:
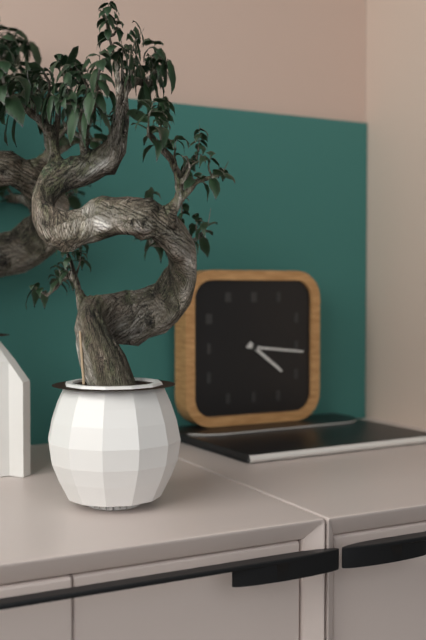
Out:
4.16
